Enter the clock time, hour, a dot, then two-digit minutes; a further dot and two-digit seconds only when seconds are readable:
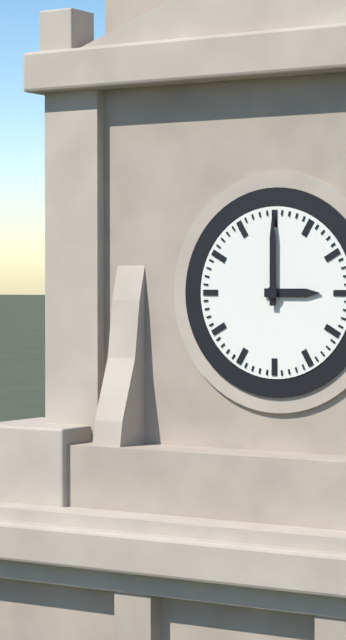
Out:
3.00
